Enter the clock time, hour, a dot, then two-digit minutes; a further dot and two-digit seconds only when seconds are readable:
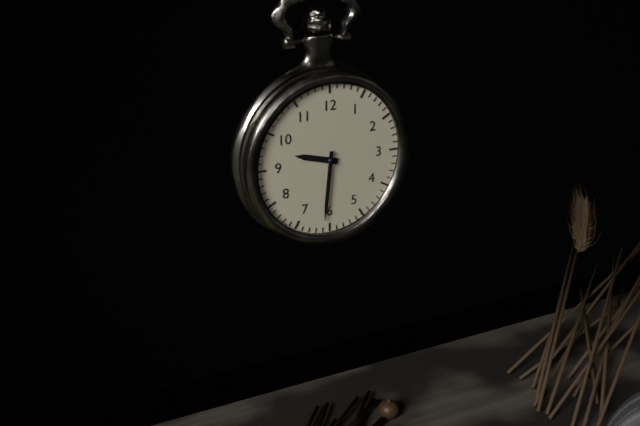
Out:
9.31
